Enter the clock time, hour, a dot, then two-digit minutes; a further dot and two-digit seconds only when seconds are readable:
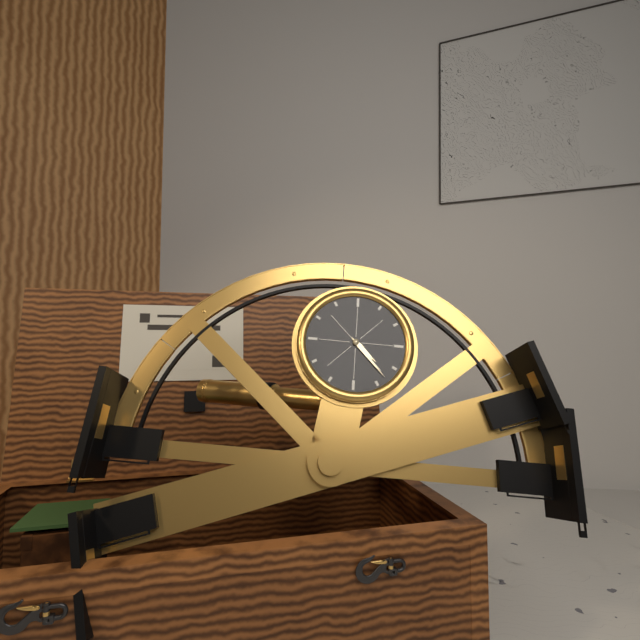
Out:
4.23
